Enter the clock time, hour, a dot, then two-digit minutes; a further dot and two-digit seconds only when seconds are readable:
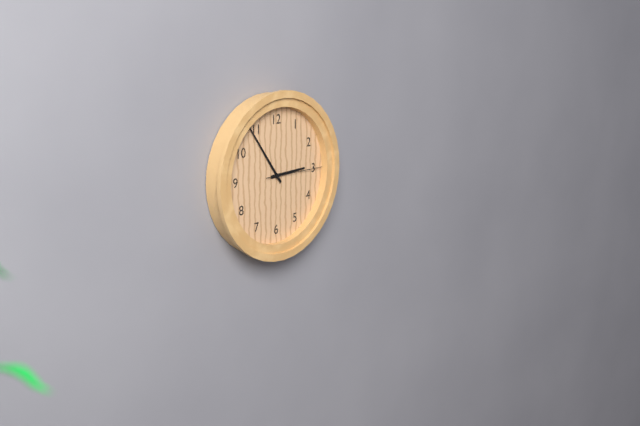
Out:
2.54.15
